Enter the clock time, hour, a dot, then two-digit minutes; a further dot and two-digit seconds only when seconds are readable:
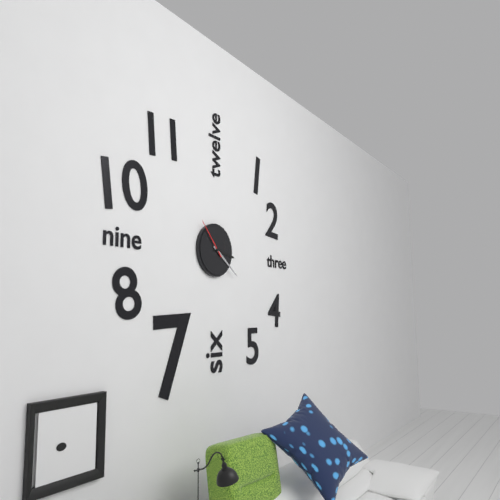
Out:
3.21
